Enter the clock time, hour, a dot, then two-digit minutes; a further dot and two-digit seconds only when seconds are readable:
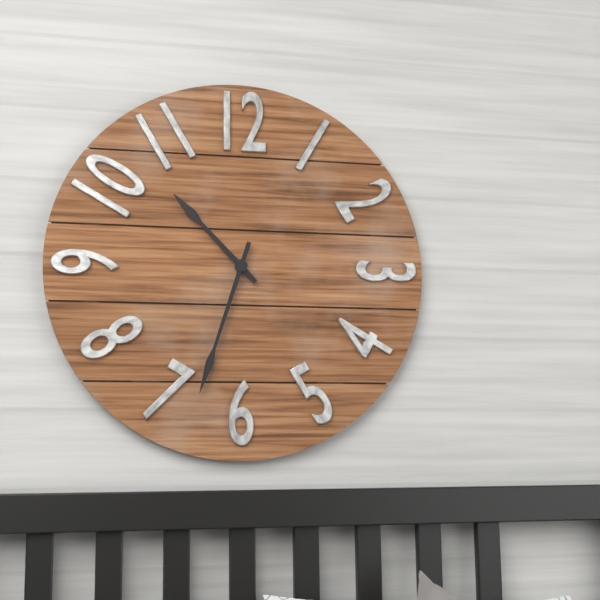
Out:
10.33
